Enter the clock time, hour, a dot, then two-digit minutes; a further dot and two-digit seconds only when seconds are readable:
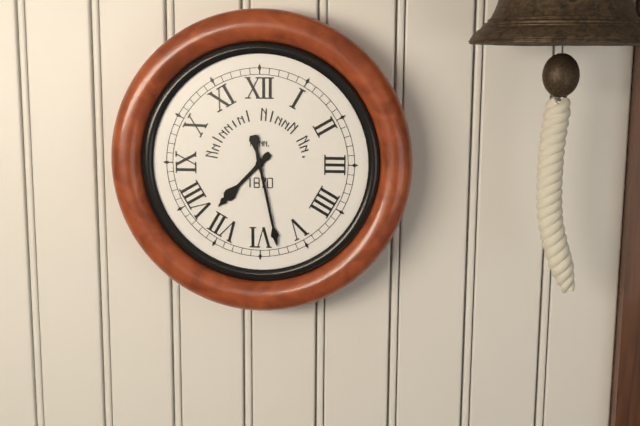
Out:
7.28
